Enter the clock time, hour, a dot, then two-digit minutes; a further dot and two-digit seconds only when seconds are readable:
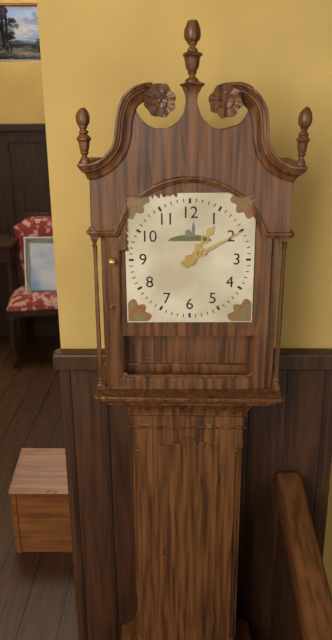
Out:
1.10
